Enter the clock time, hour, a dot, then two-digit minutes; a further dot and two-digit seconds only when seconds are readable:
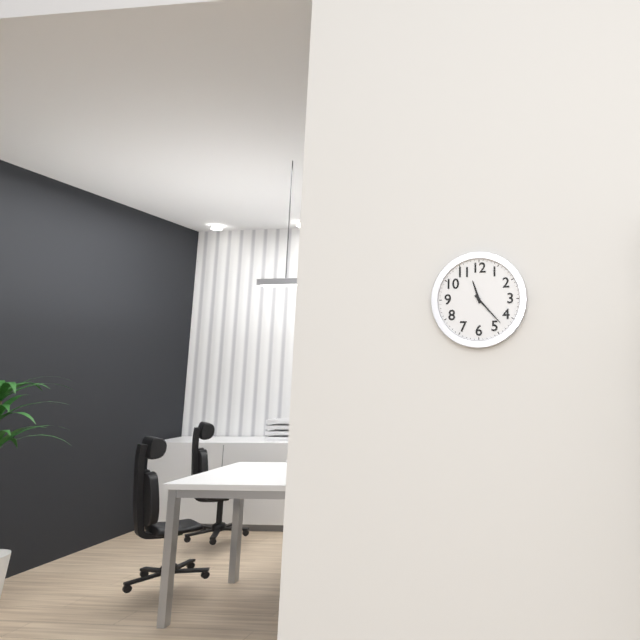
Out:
11.23
